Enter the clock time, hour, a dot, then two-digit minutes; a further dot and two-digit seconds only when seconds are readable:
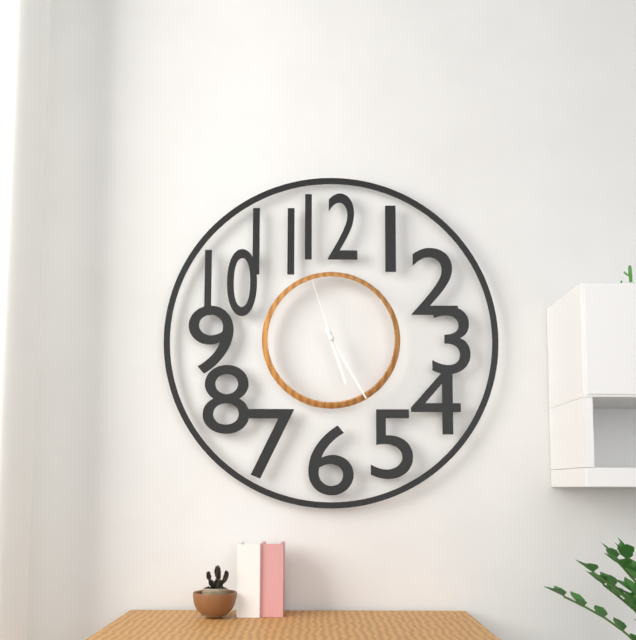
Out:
5.25.57
